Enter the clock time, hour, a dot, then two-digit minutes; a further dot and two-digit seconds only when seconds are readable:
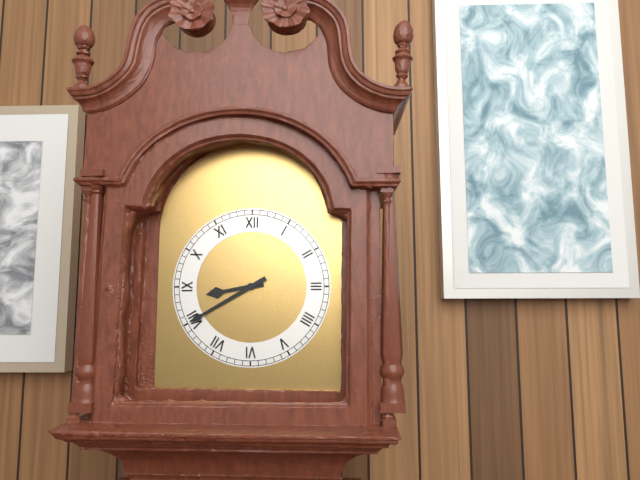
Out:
8.40
